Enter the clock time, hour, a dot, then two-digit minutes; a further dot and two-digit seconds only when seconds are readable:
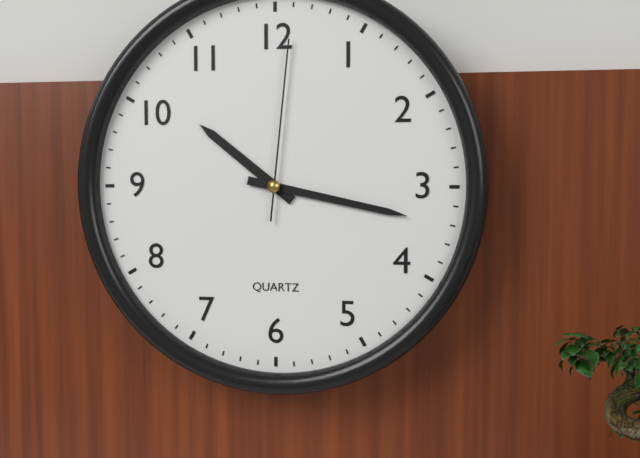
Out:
10.17.01
